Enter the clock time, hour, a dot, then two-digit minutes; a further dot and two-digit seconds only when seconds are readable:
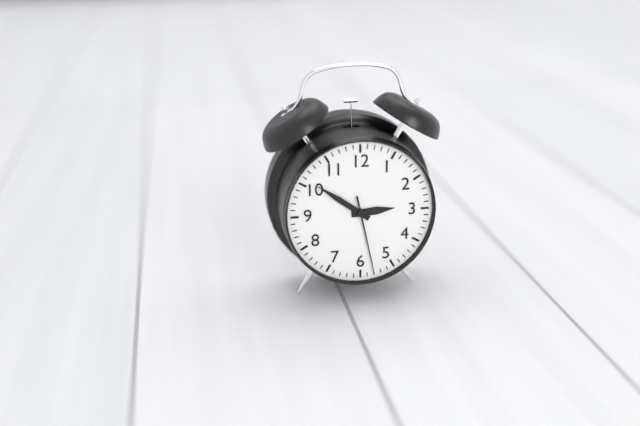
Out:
2.51.28
